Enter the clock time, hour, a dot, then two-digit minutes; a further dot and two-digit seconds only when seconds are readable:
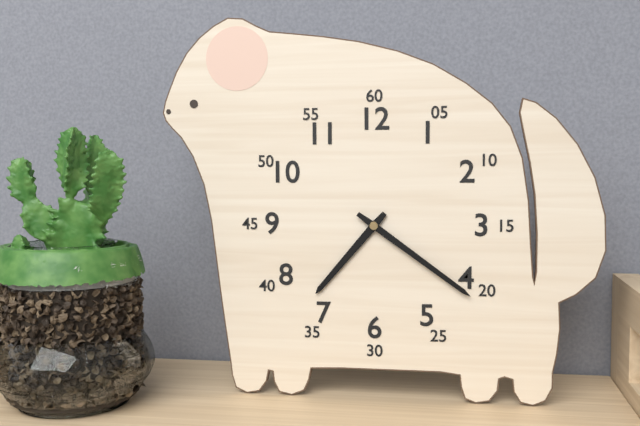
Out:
7.21
